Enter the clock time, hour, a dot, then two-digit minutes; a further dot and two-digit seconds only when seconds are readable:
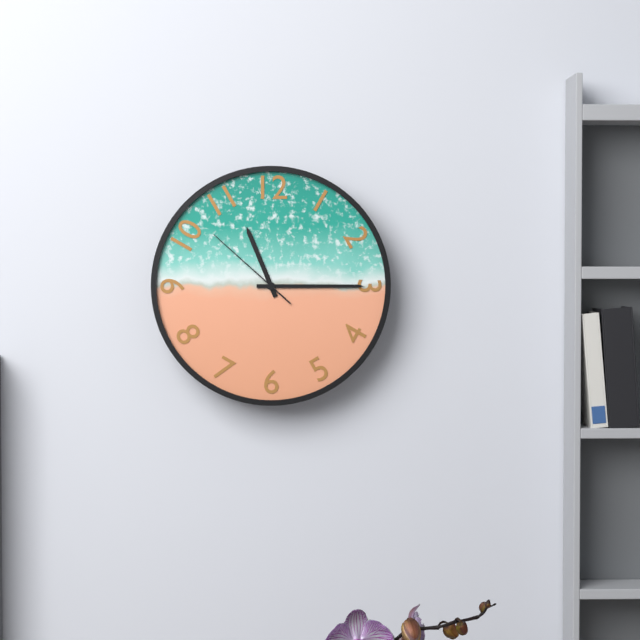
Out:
11.15.52
